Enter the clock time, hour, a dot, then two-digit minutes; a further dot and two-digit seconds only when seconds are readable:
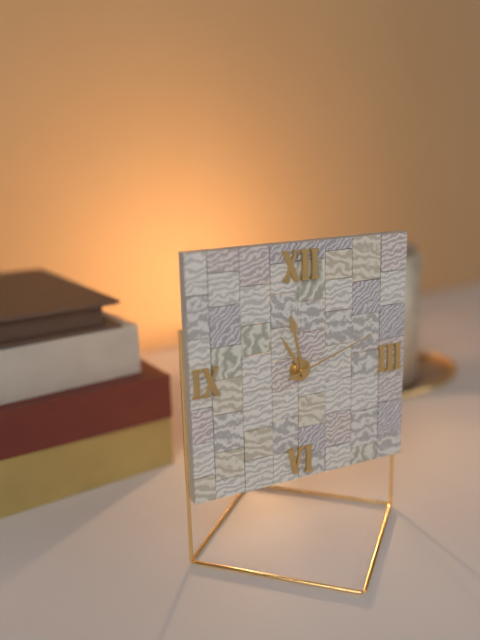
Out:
10.58.12
